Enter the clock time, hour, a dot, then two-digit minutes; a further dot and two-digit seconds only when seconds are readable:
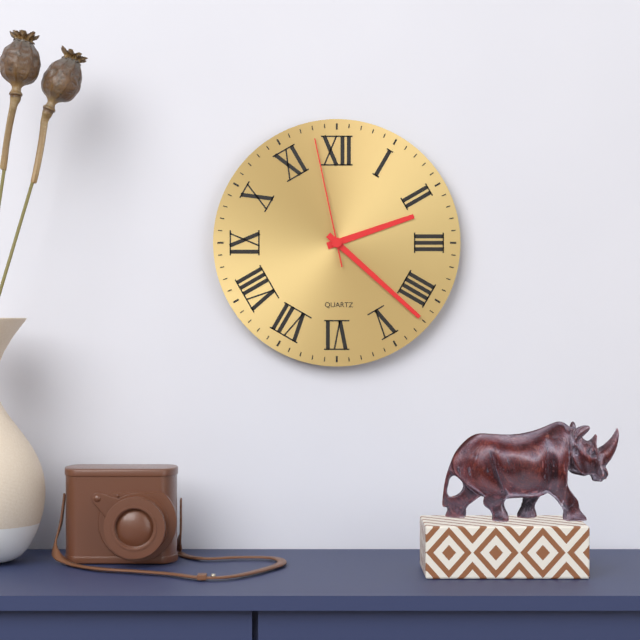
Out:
2.22.58
